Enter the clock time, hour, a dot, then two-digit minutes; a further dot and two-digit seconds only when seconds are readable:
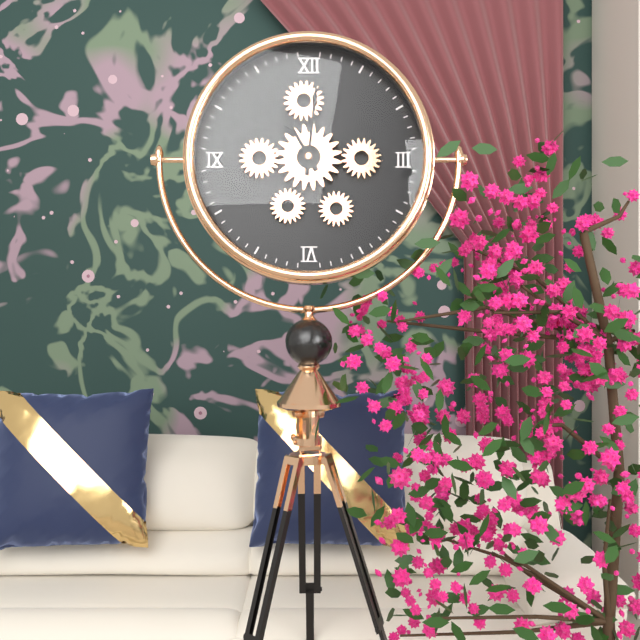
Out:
11.01
